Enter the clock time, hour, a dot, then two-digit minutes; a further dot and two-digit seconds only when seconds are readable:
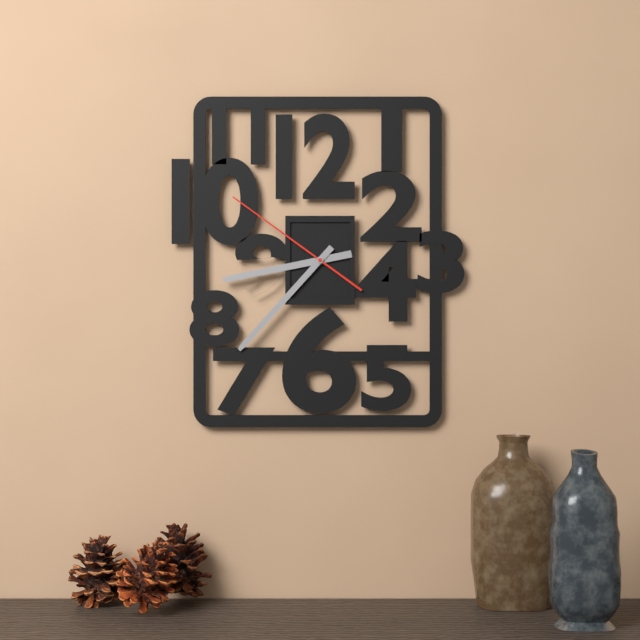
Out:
8.37.51
